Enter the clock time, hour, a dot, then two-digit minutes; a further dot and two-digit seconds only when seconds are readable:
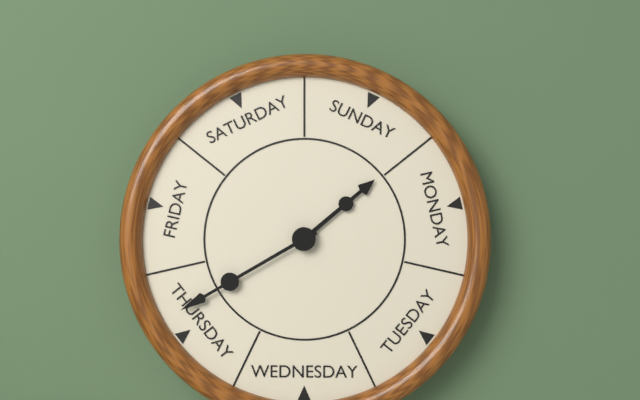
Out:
1.40
